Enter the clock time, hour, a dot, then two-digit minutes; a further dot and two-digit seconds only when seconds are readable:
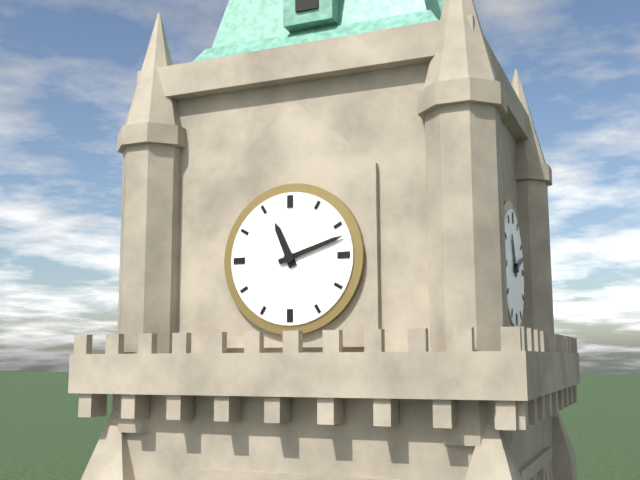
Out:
11.12
